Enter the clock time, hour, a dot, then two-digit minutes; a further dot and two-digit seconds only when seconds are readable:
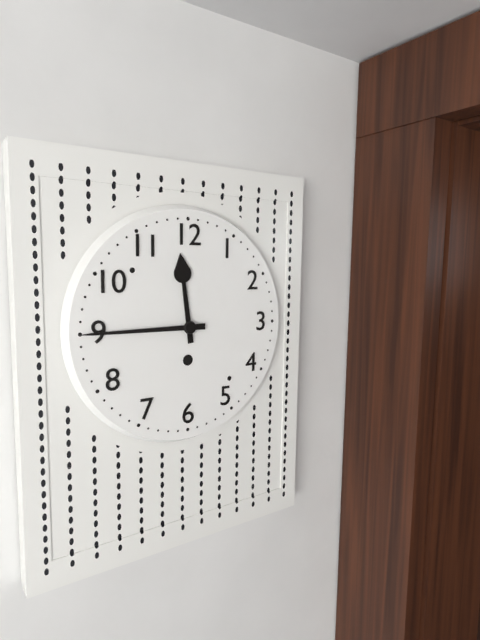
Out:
11.45
